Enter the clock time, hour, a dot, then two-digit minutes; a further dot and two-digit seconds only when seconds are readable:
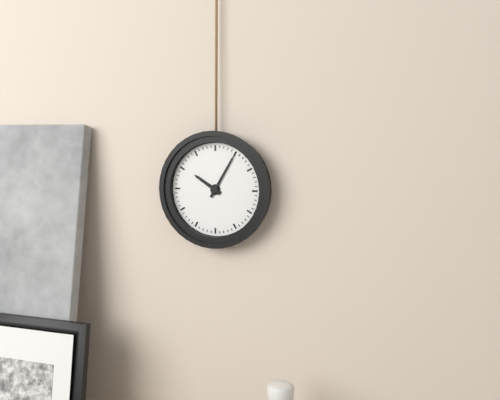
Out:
10.05
